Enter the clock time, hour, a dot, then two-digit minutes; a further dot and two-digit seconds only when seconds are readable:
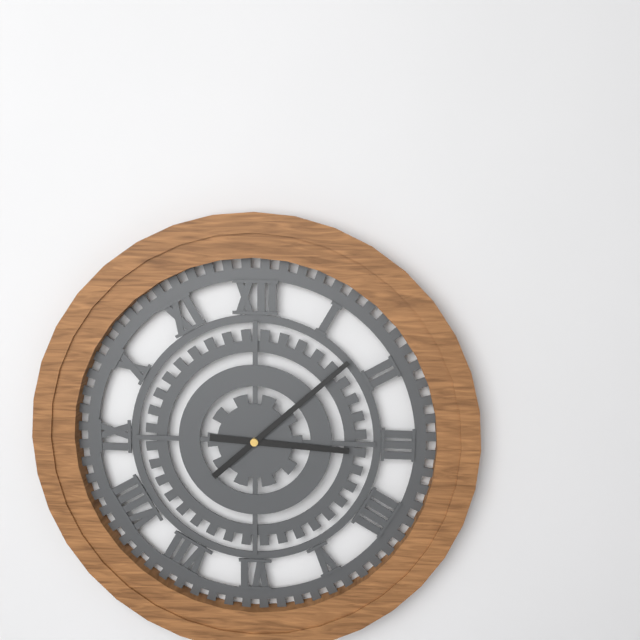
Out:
3.08
